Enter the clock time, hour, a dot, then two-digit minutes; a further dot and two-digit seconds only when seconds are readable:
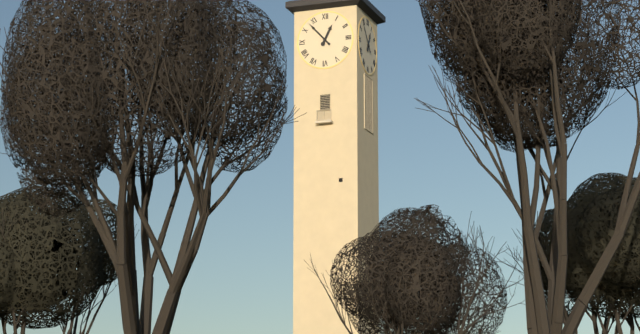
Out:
12.53
